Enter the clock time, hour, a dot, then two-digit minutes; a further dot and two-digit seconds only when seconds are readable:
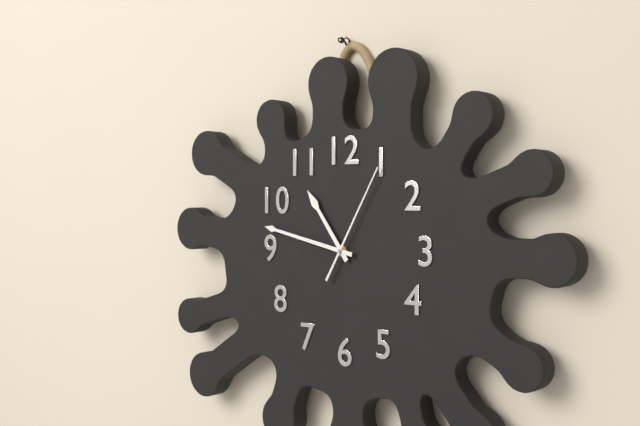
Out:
10.47.05
